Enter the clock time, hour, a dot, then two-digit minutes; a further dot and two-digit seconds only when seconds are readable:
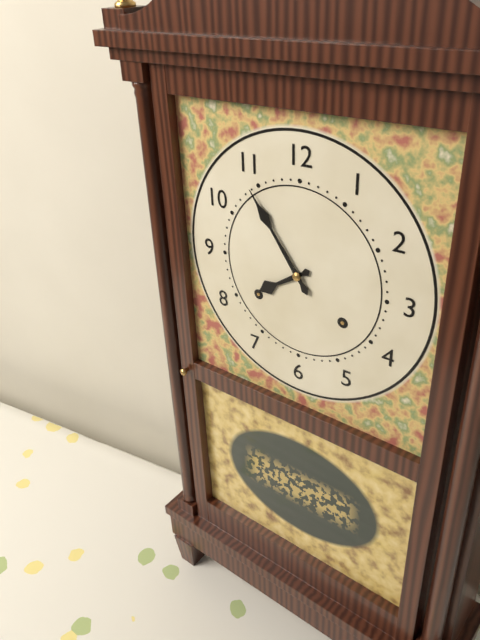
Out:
7.54
